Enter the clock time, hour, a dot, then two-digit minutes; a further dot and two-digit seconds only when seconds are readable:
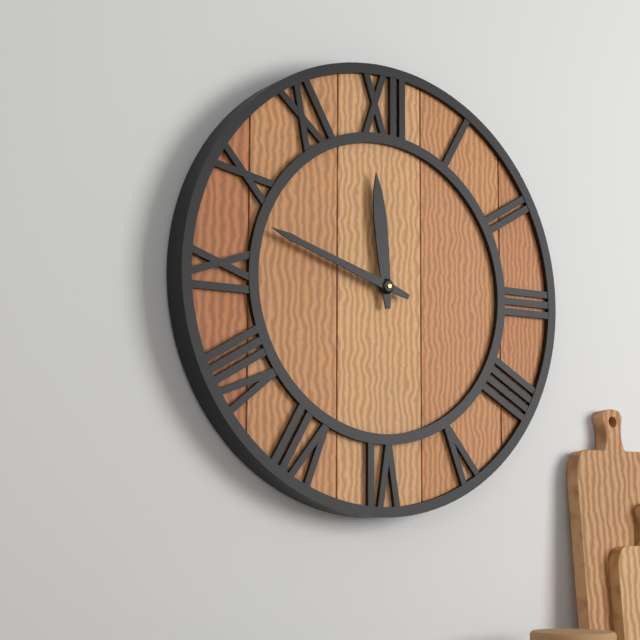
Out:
11.48
